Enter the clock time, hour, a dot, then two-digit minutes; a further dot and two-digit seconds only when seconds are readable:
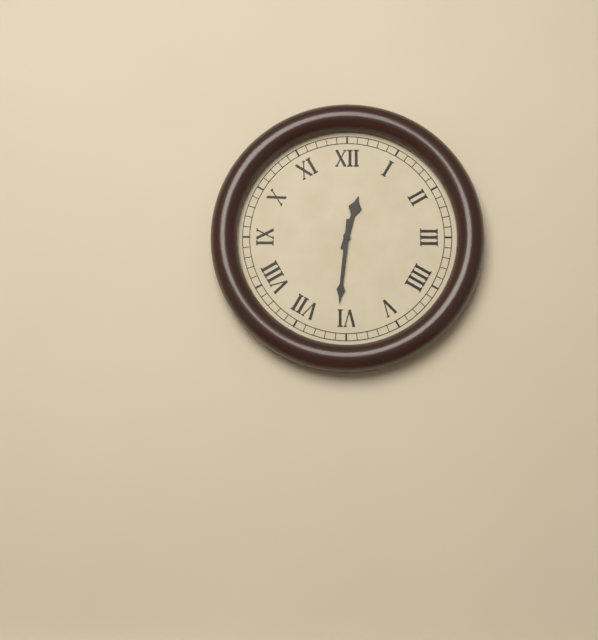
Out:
12.31
